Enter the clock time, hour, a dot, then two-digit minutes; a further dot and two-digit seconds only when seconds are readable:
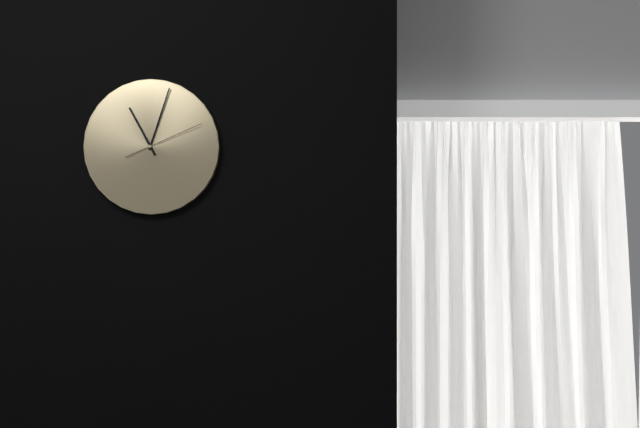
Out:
11.03.11
